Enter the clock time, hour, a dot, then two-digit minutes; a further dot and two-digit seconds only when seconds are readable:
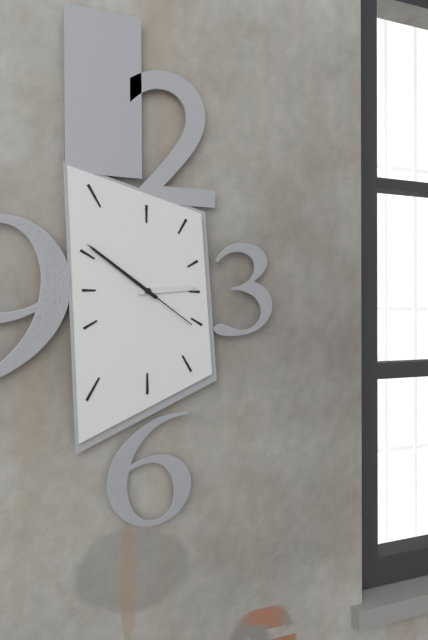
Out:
2.51.21
